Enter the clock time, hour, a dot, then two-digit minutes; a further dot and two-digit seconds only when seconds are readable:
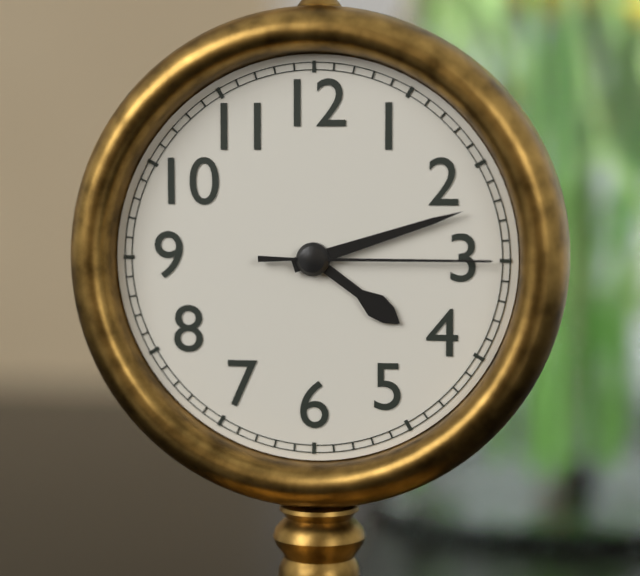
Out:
4.12.15
